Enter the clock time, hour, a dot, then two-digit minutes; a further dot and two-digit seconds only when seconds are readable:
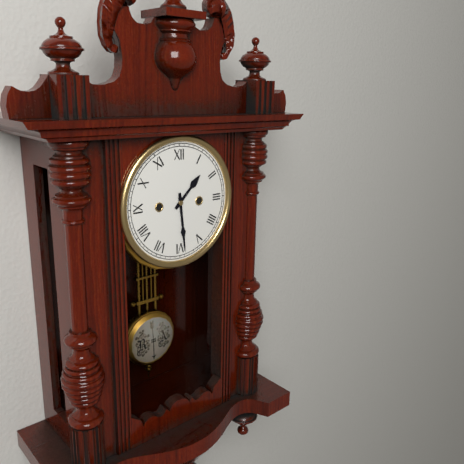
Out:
1.29
